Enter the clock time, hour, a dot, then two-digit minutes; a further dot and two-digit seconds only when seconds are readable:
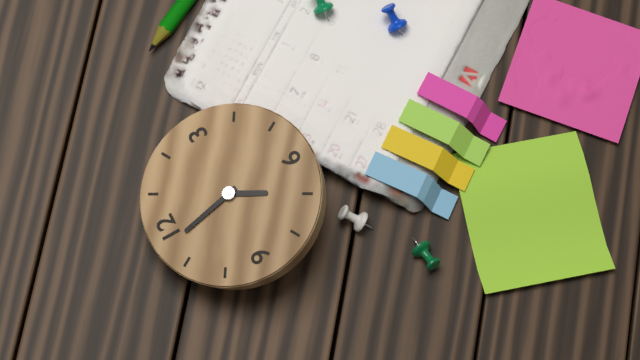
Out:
6.58
